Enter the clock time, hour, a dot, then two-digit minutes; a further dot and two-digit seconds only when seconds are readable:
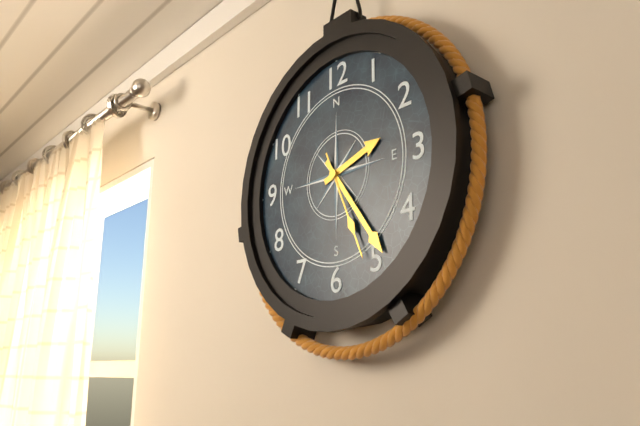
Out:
2.24.26
